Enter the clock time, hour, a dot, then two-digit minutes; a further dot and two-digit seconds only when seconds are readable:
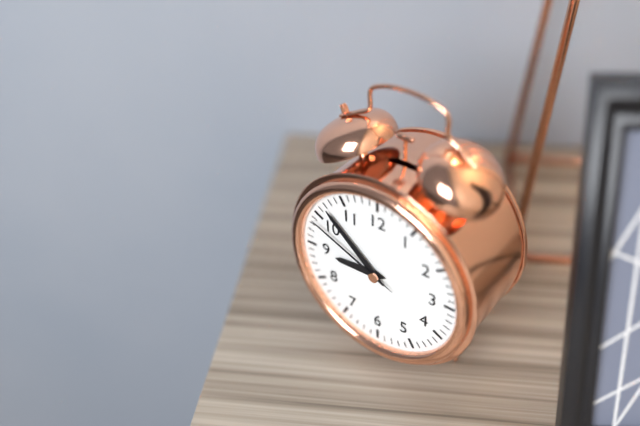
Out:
8.52.49
